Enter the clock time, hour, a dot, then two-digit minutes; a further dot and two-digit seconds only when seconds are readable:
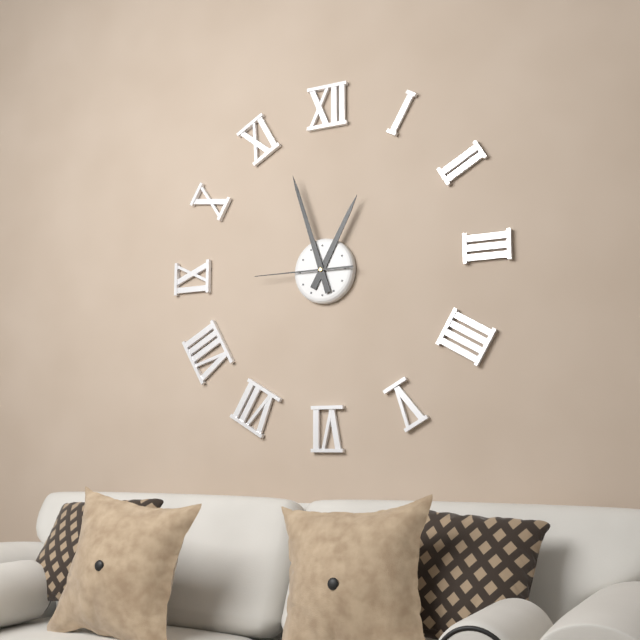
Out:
12.57.45
